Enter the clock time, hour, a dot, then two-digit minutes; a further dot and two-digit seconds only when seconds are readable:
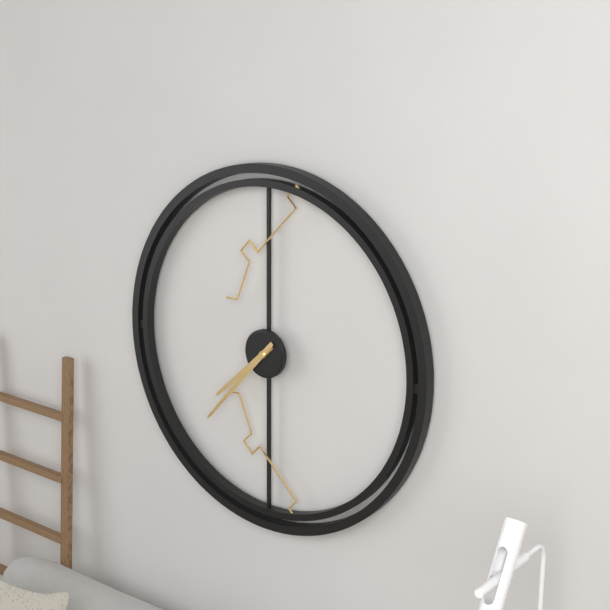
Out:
7.37
